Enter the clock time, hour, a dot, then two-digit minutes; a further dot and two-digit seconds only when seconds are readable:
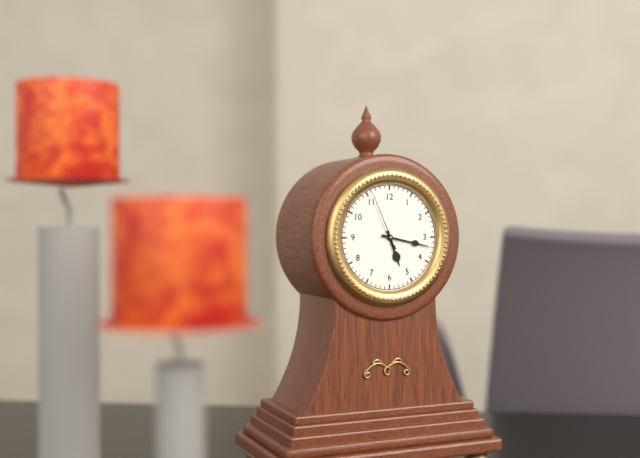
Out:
5.17.56
